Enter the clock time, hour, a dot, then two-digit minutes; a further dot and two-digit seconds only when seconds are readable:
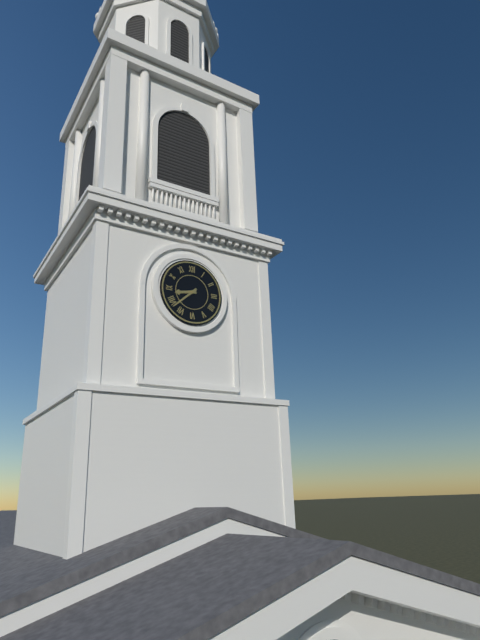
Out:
8.38
